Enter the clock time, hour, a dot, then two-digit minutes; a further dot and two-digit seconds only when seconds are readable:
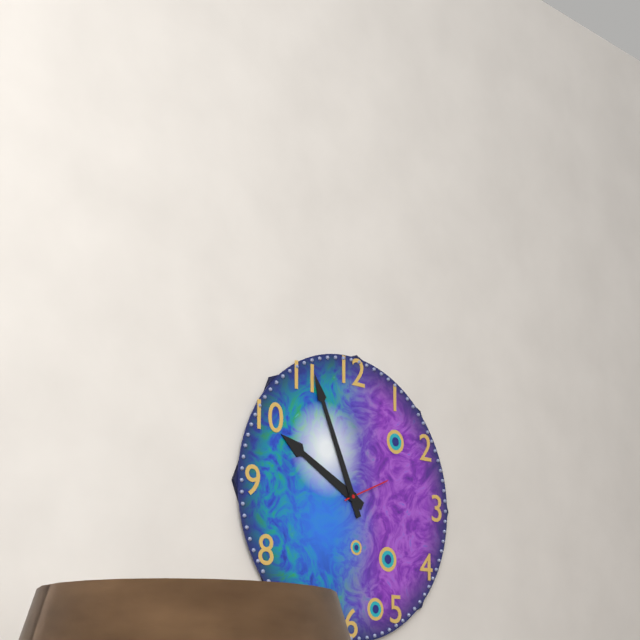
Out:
9.56.11
